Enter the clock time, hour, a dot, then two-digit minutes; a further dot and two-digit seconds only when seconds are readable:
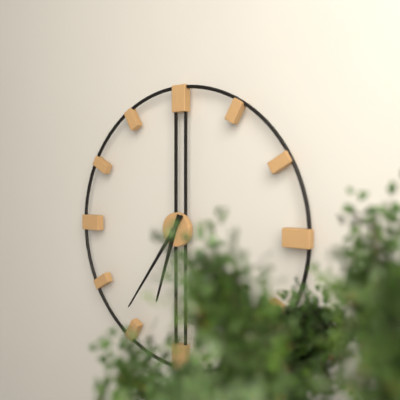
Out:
6.36
